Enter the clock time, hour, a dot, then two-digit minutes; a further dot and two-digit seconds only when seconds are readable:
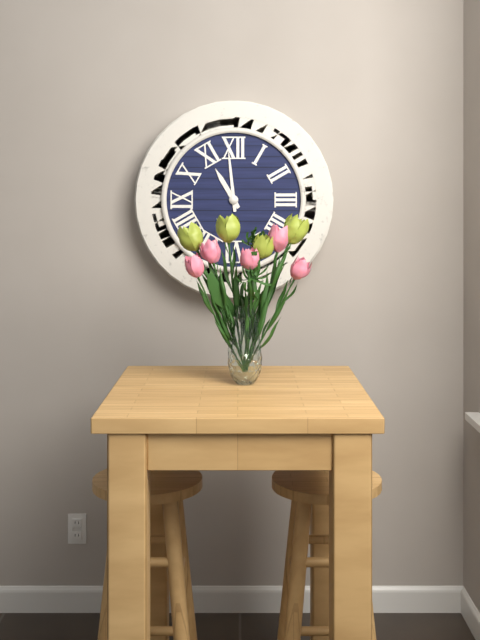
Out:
10.59
